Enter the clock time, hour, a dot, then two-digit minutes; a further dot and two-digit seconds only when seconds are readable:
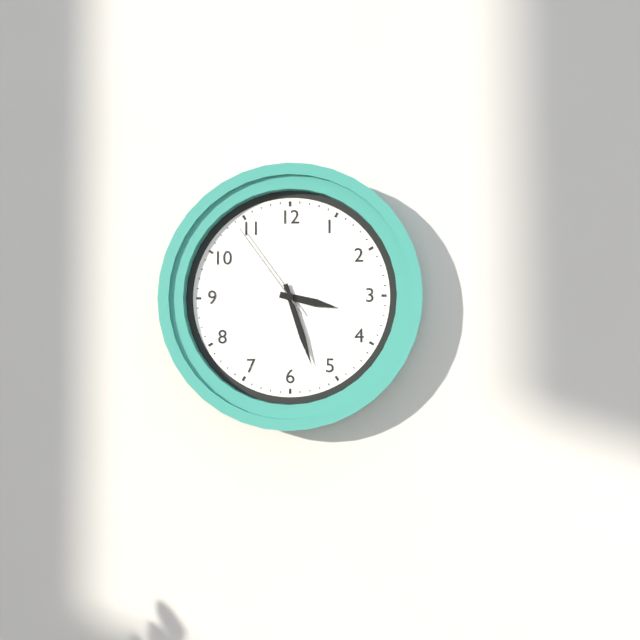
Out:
3.27.54
